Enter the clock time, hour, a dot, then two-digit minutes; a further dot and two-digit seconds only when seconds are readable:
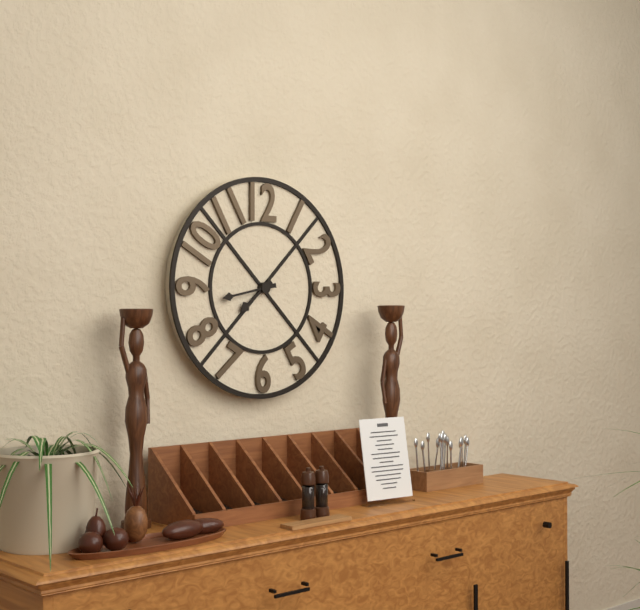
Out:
7.43
